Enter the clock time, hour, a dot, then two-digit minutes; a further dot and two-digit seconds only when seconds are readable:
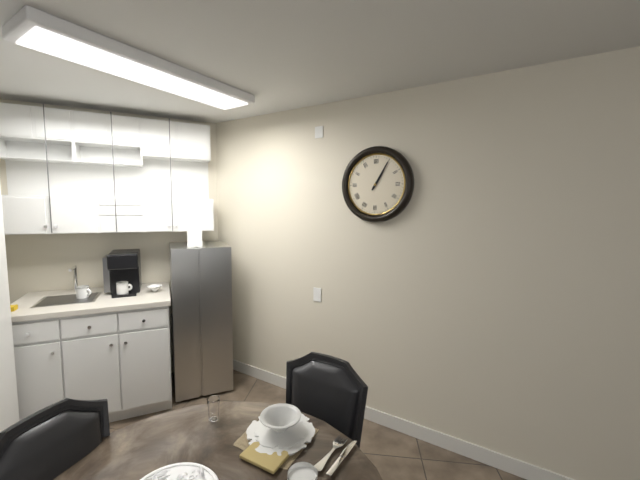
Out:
1.05
